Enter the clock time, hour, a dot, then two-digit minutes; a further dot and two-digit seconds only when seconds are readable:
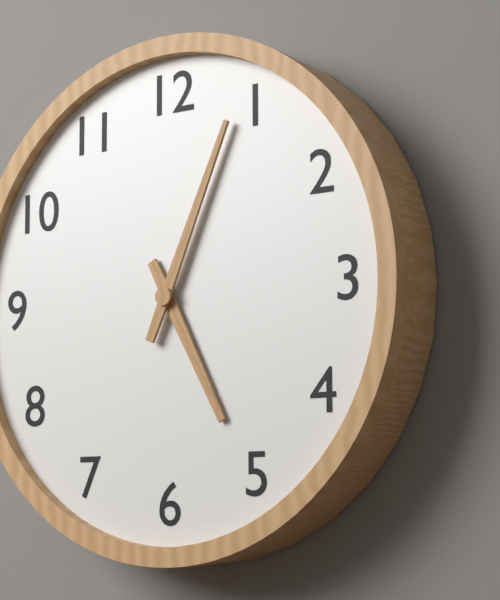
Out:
5.04
